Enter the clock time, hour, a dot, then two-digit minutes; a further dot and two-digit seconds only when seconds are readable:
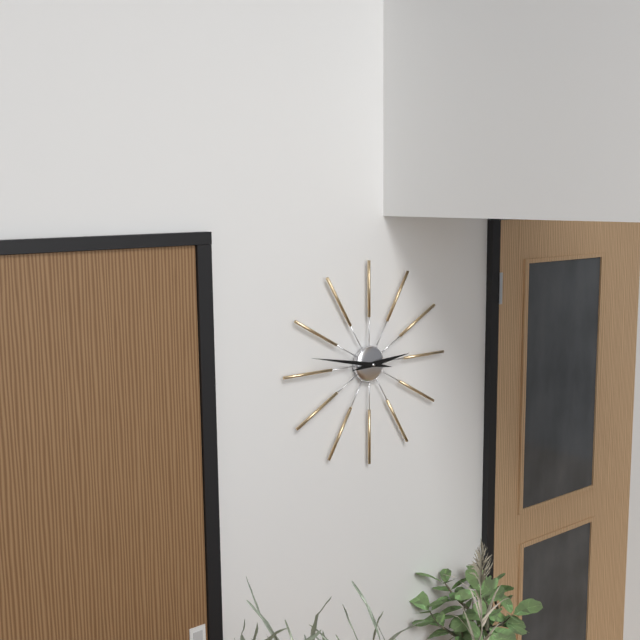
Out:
2.47
